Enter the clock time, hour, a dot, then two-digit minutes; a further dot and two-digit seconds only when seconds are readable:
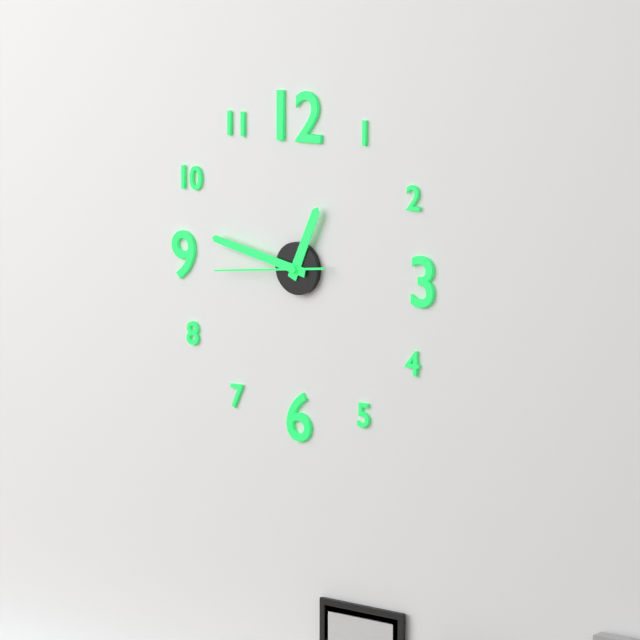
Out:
12.47.44
